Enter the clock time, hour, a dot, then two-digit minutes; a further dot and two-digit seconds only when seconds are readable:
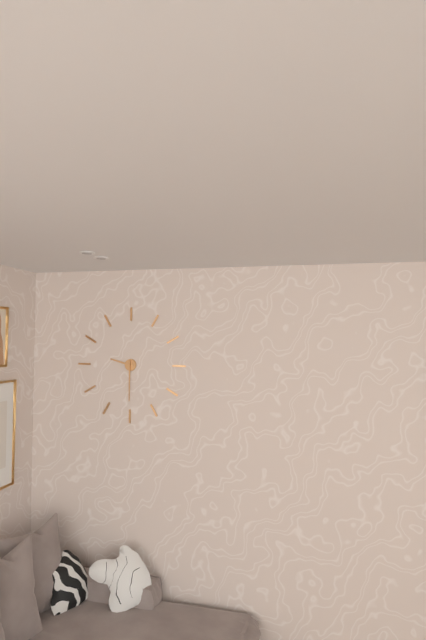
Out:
9.30
